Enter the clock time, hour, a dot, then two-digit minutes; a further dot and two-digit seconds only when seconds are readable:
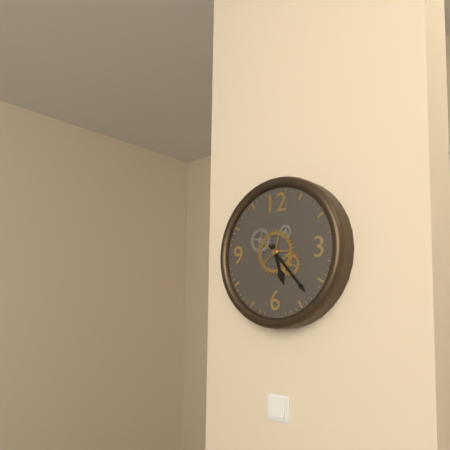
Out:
5.23
